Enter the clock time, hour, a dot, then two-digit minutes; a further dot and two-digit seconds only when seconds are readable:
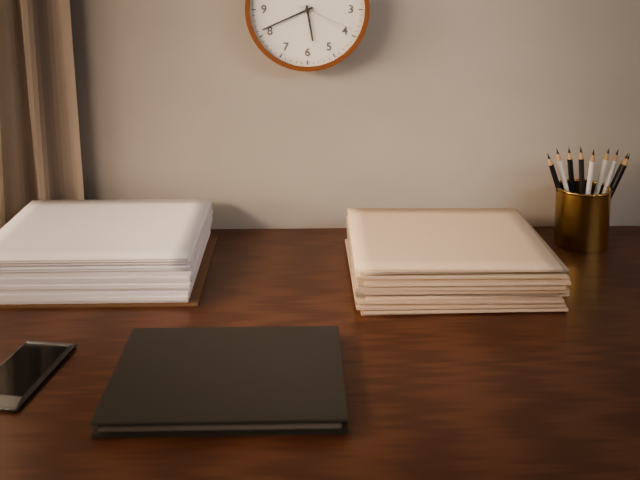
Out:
5.41.19
